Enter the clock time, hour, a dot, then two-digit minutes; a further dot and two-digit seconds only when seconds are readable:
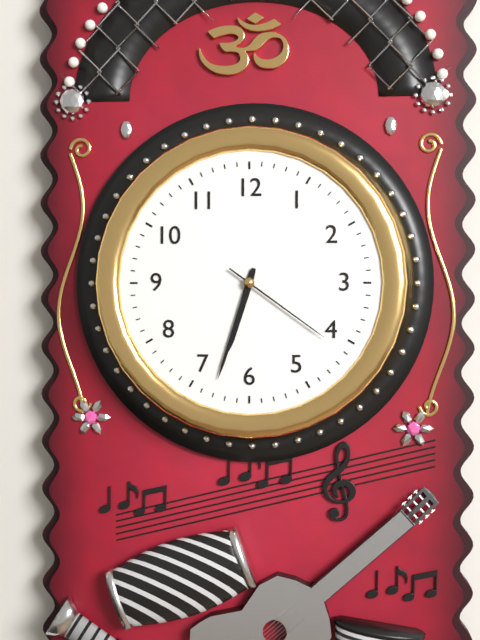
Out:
6.33.21
